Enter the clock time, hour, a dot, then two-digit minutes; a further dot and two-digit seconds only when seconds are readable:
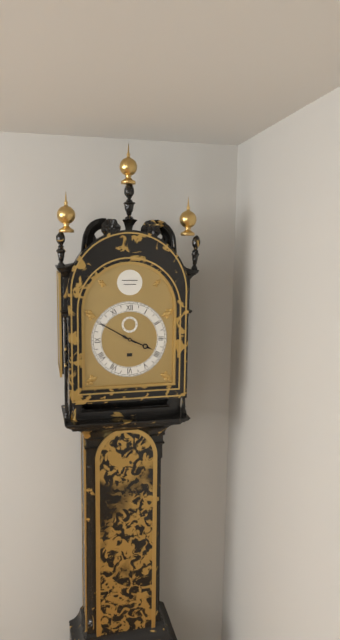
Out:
3.50
